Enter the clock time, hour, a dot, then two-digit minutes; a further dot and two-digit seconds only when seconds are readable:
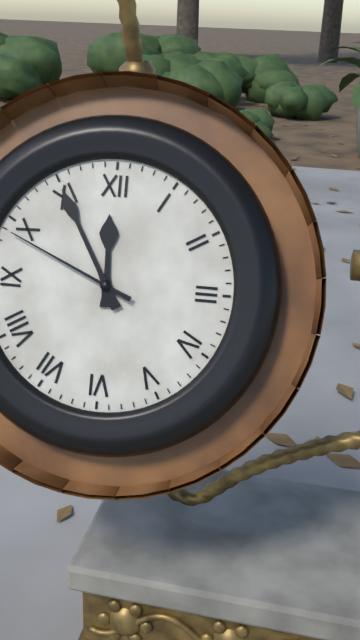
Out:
11.55.49
